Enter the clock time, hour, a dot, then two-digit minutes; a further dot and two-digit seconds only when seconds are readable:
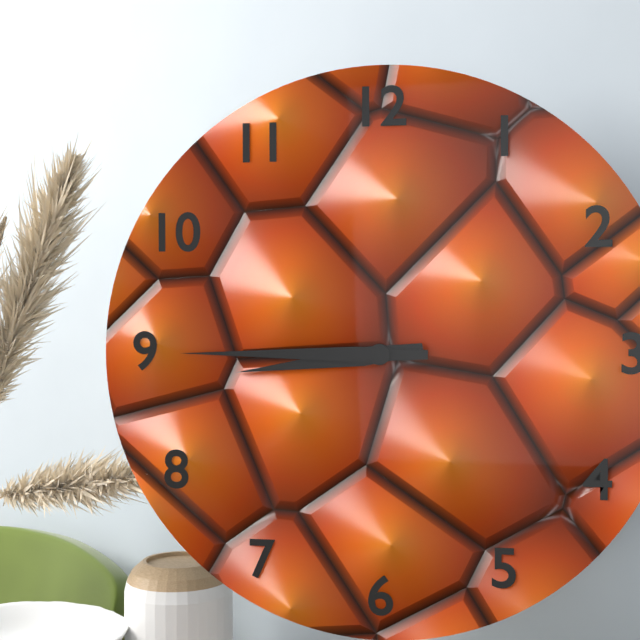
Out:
8.45
